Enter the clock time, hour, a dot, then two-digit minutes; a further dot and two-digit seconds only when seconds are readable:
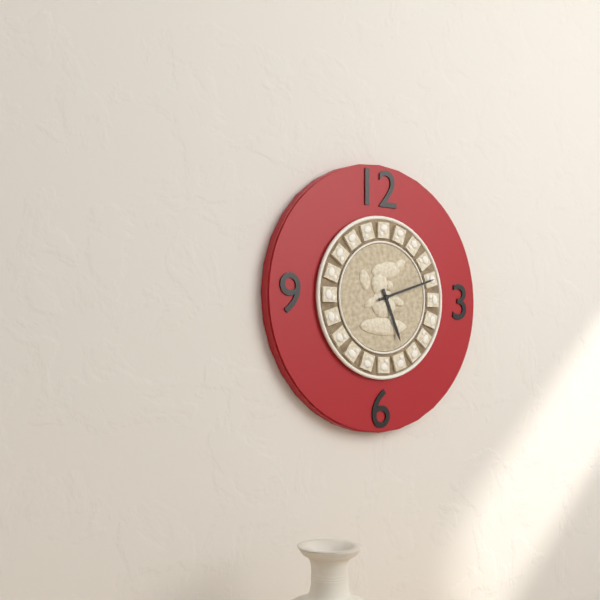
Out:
5.12
